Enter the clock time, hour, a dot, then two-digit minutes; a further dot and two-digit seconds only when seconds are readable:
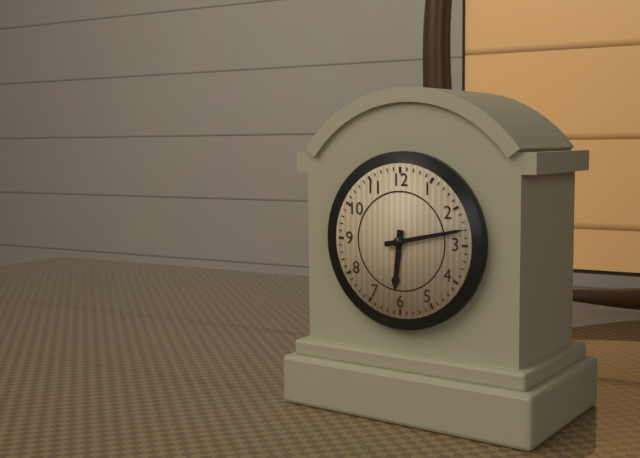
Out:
6.13
